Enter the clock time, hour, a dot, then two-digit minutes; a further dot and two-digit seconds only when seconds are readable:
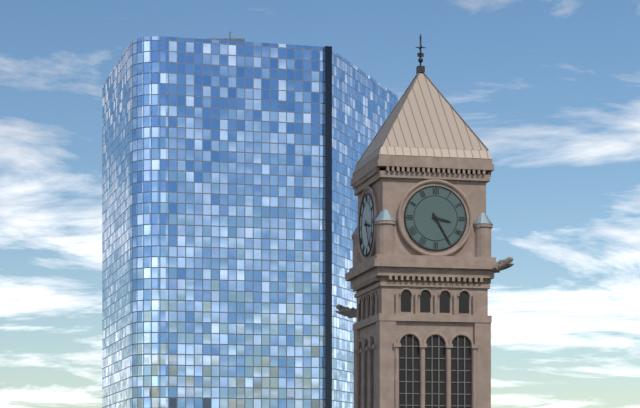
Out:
3.25
